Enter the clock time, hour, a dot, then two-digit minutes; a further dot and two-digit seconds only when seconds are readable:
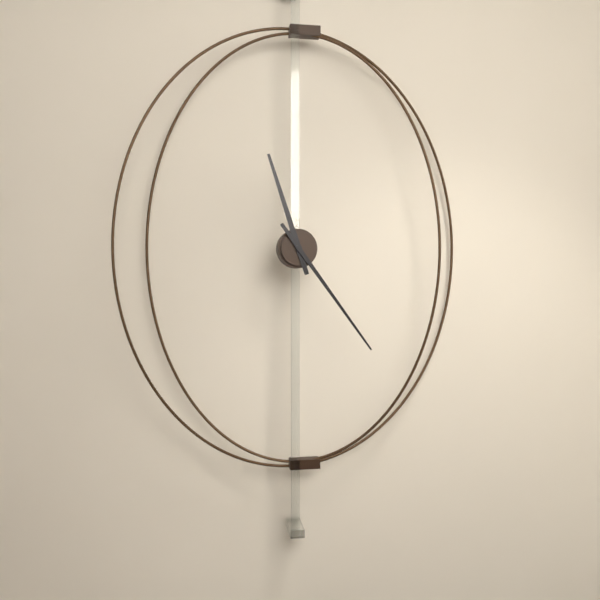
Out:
11.24
